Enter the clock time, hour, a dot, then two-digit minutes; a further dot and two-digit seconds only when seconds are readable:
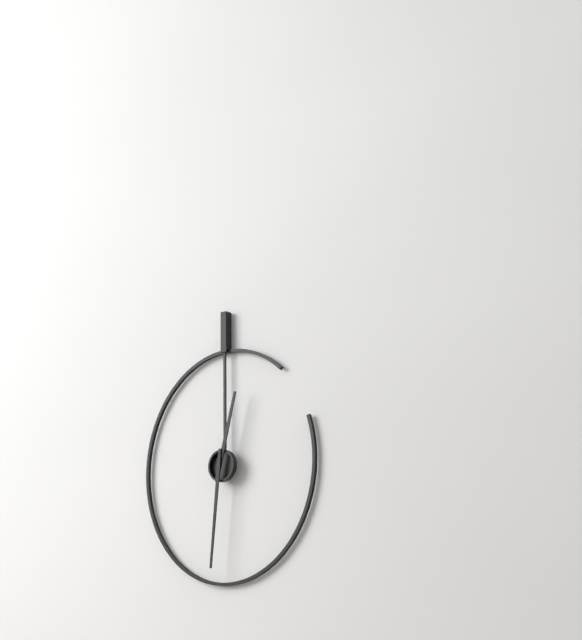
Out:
12.31
